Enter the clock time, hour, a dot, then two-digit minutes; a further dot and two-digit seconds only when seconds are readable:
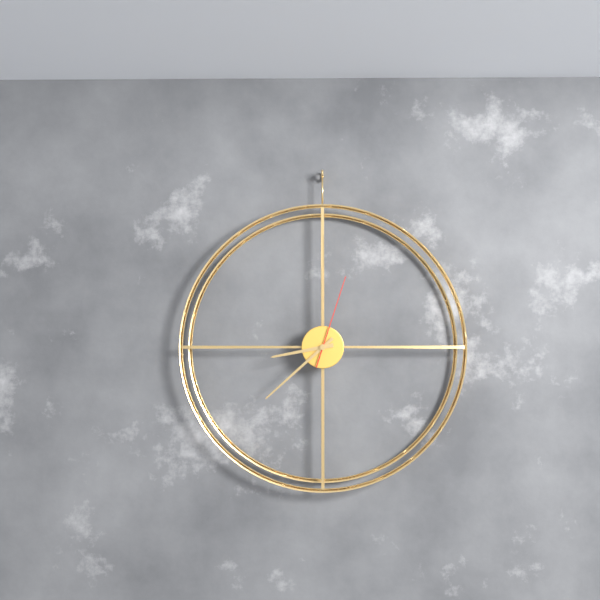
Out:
8.38.03
